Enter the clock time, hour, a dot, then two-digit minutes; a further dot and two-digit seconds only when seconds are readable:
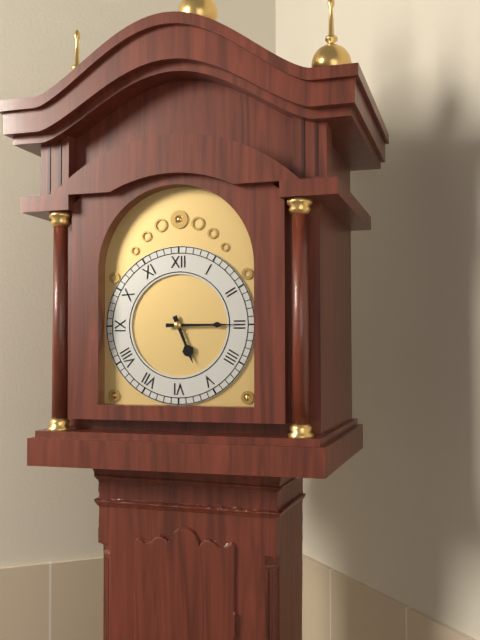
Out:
5.15
